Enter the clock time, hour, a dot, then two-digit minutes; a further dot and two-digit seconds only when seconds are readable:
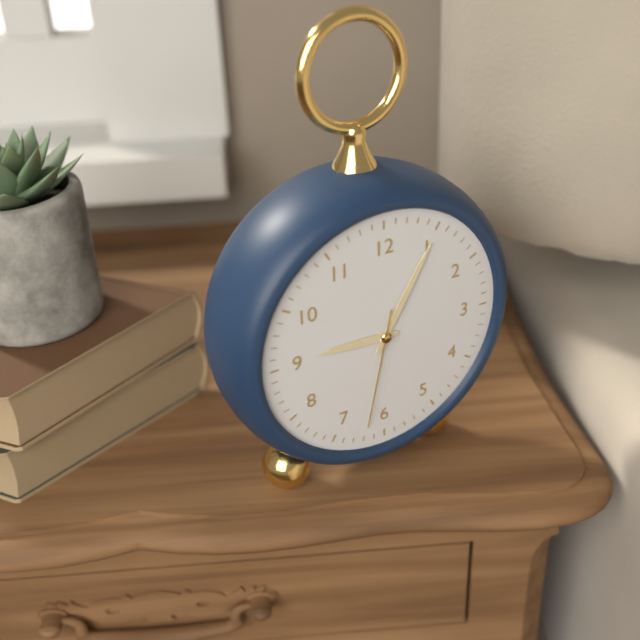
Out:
9.05.32
